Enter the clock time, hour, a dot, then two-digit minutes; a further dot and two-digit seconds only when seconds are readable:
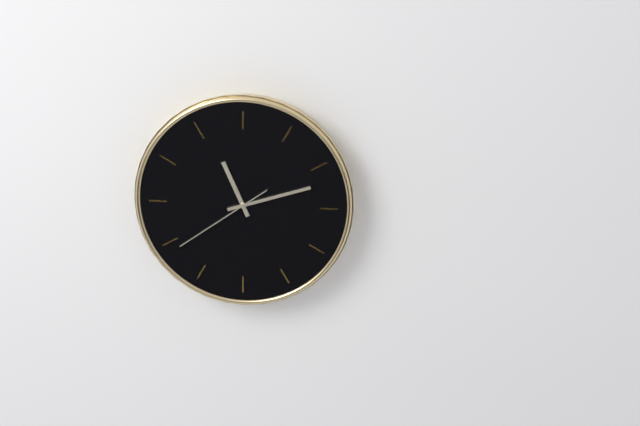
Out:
11.12.39
